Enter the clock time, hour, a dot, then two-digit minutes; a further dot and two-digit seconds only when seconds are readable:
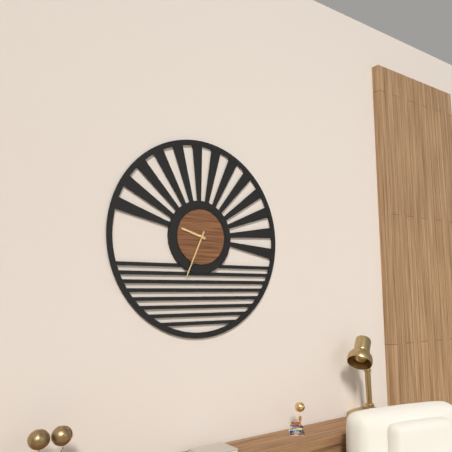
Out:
9.34
